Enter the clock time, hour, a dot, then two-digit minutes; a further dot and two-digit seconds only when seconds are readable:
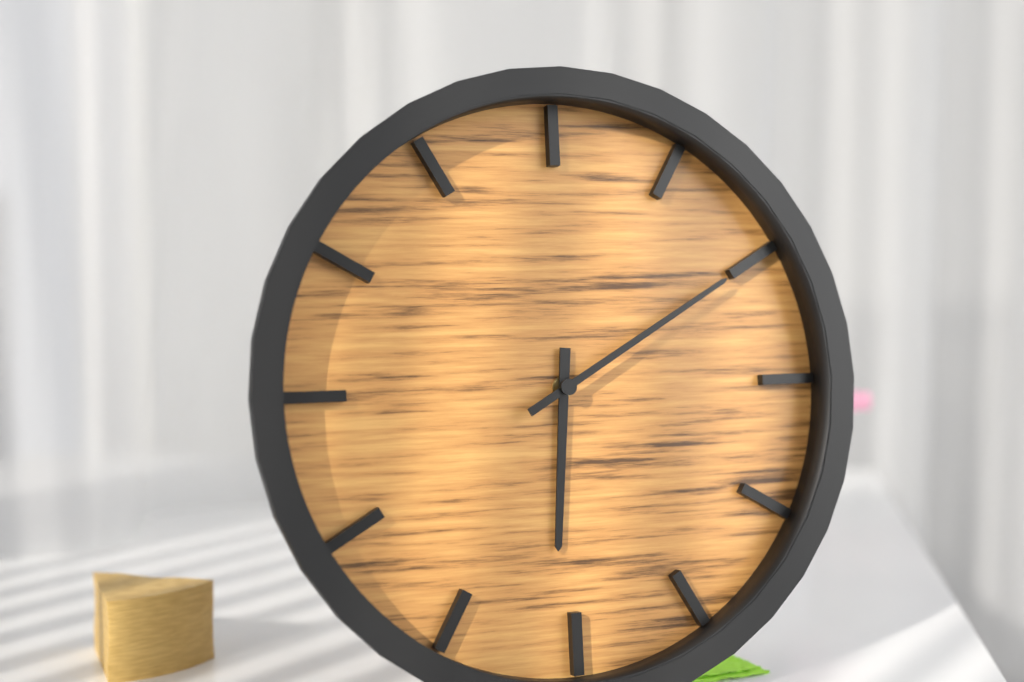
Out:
6.10
